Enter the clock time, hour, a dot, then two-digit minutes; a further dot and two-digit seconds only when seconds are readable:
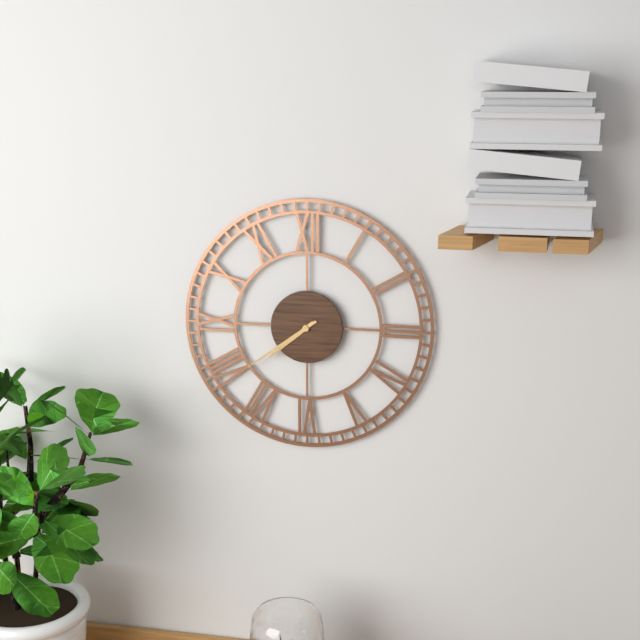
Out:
7.39
